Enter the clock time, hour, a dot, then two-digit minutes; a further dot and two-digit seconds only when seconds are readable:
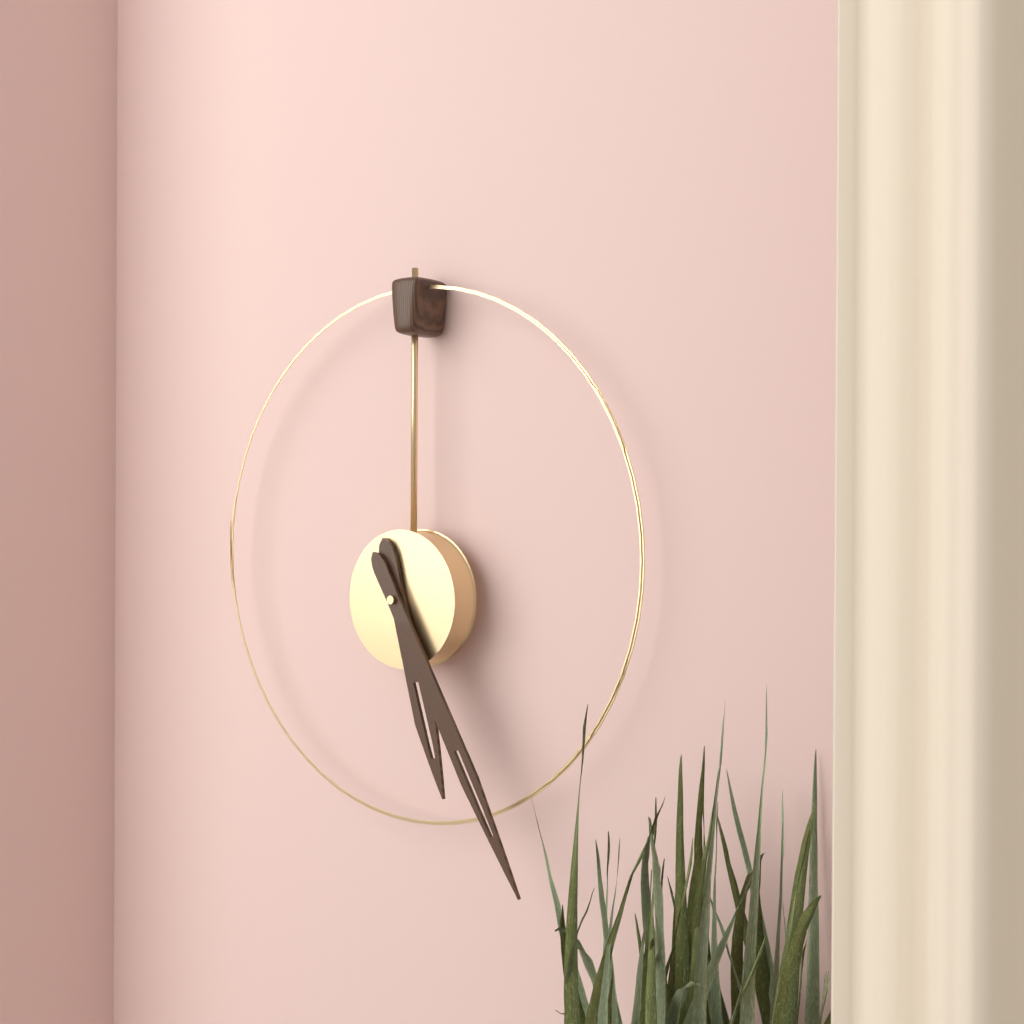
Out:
5.25
